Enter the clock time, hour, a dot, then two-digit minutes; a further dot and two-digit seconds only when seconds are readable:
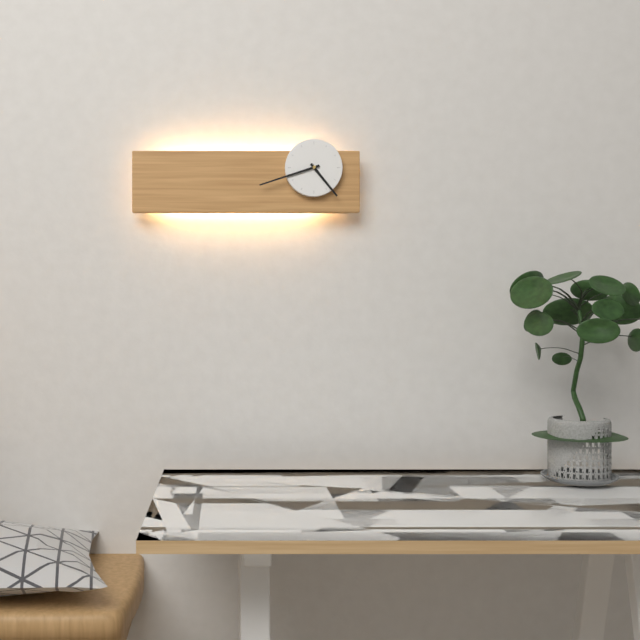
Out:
4.42
